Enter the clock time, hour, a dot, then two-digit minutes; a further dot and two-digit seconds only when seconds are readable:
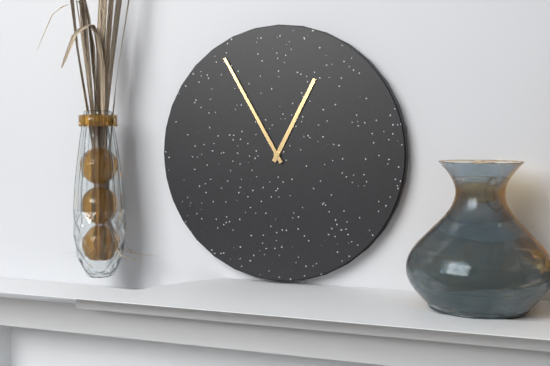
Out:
12.55
